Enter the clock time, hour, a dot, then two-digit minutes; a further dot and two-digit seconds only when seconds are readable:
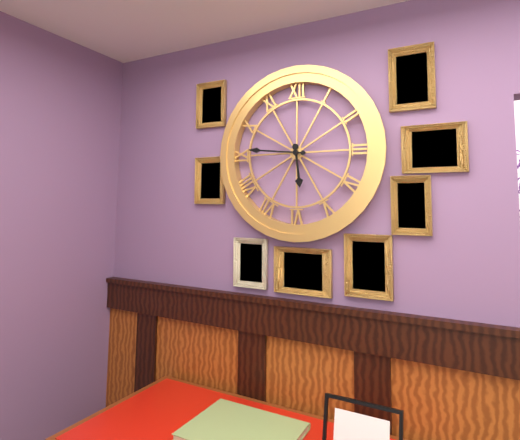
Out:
5.46
